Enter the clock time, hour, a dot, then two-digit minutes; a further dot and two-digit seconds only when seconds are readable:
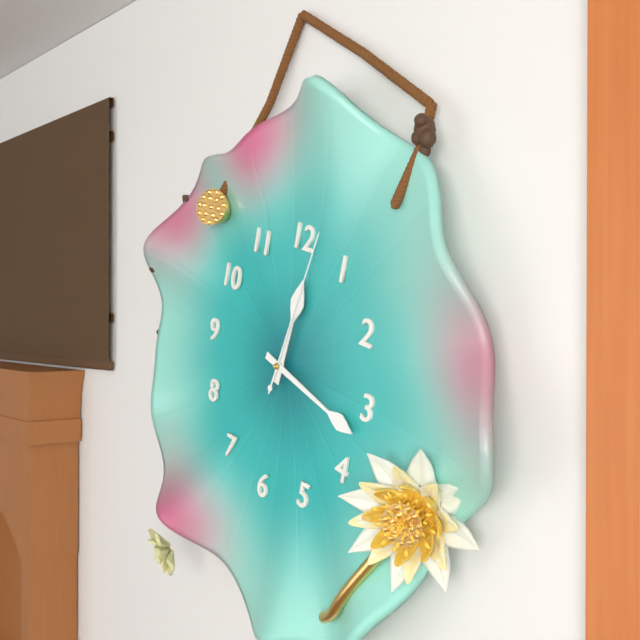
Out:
12.17.02
